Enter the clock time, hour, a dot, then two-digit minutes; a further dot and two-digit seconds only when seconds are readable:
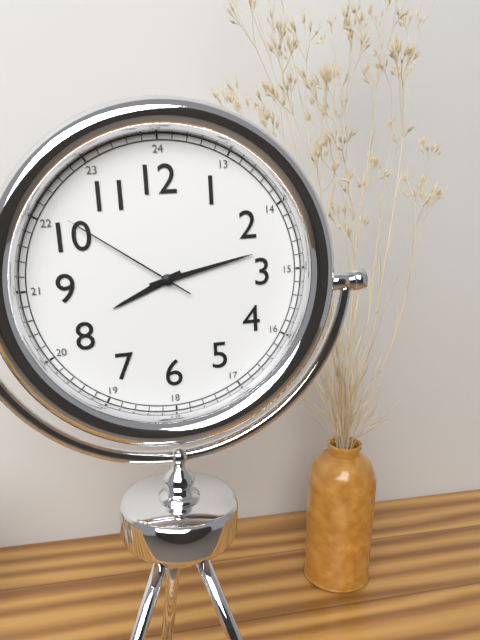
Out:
8.13.51
